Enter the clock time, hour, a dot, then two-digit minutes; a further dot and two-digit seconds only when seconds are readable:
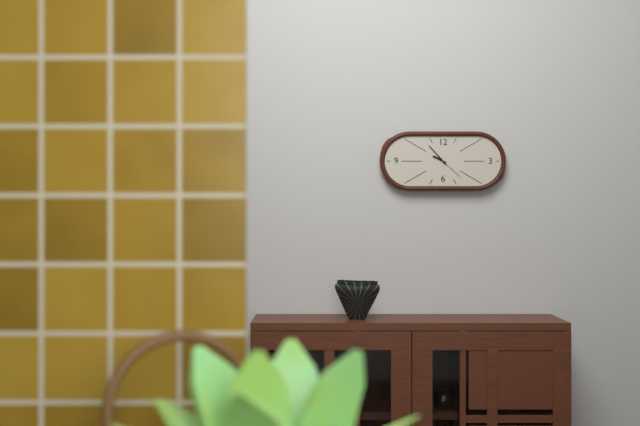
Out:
9.53
